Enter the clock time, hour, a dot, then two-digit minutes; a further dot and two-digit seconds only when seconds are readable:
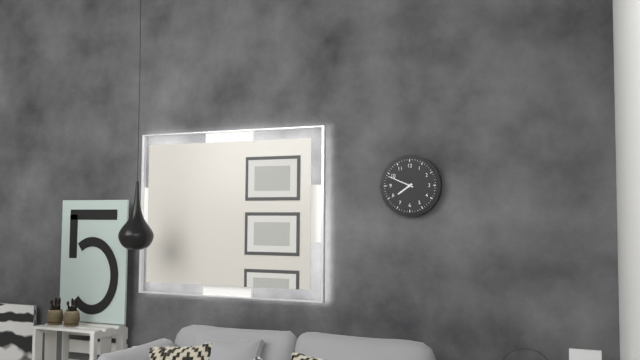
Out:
7.49
